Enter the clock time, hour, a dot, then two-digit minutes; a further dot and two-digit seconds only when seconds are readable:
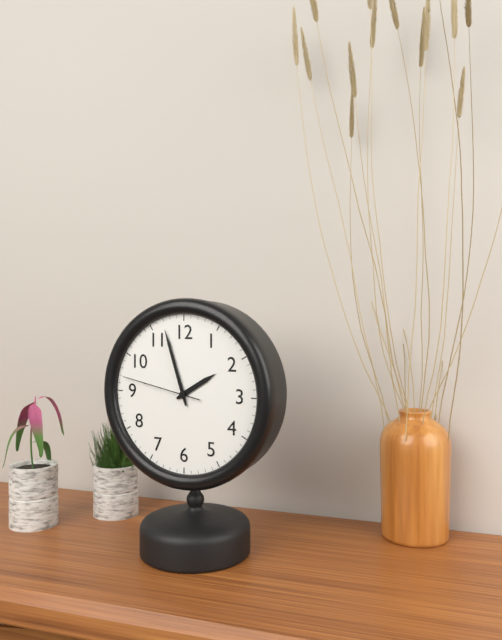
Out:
1.57.47
